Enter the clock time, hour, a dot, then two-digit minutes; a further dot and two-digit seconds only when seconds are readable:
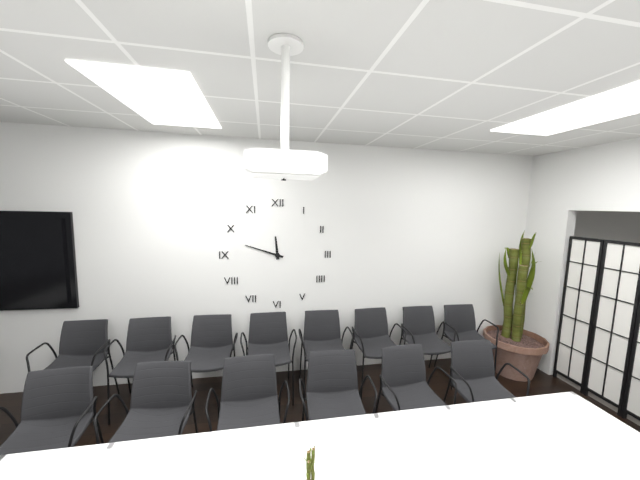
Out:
11.48
